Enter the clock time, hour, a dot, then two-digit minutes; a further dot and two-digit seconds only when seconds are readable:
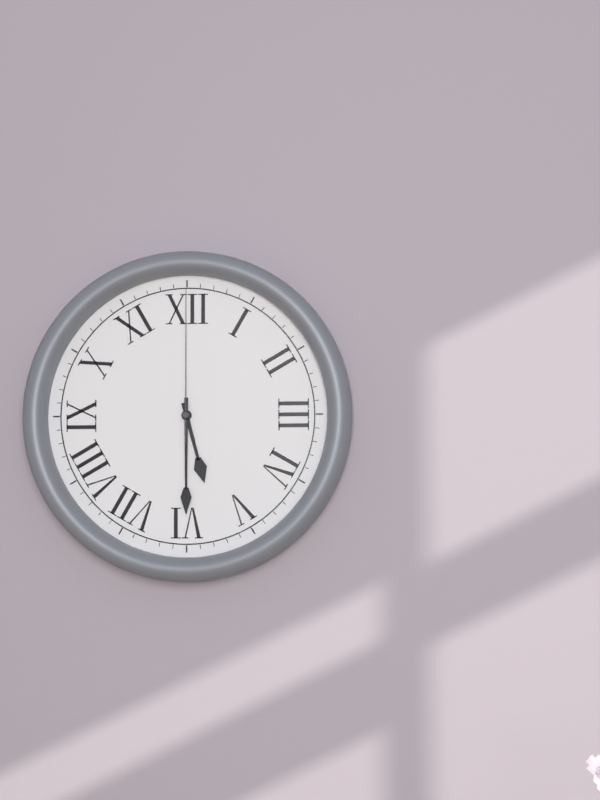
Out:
5.30.00
